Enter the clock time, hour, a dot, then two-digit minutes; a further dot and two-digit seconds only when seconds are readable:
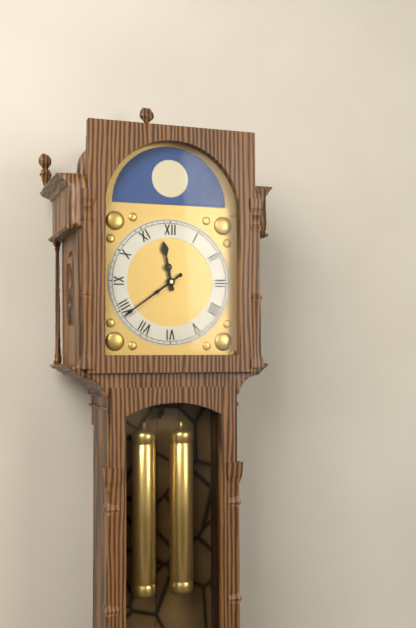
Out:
11.39
